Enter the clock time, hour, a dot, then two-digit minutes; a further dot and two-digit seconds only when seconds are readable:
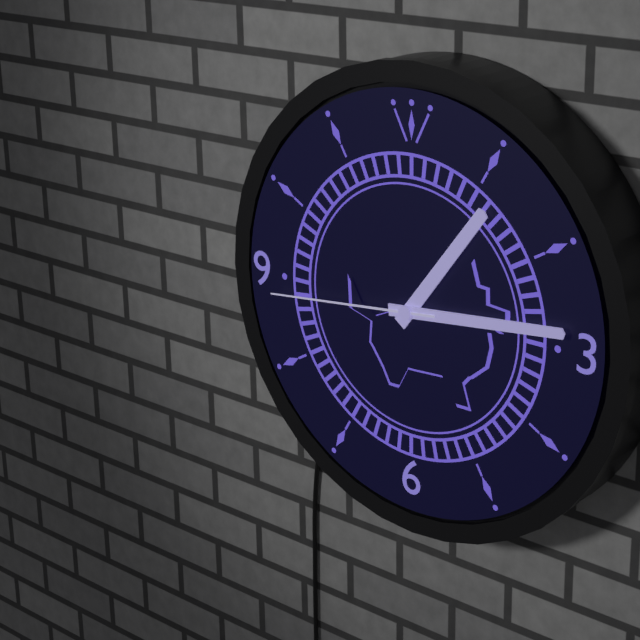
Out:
1.14.44
